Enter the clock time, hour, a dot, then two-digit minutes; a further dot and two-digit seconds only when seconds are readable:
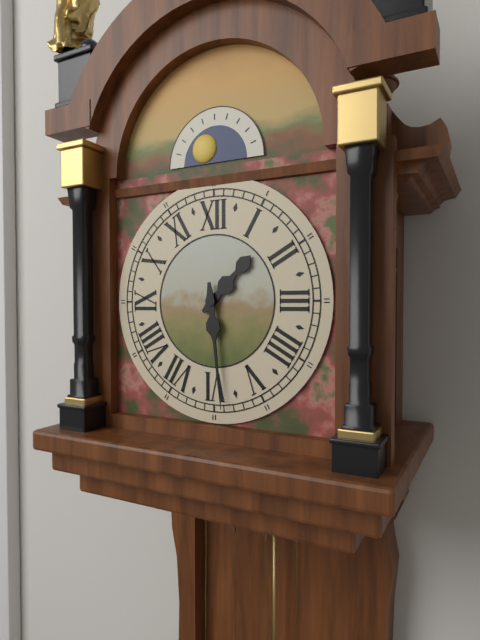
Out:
1.29
